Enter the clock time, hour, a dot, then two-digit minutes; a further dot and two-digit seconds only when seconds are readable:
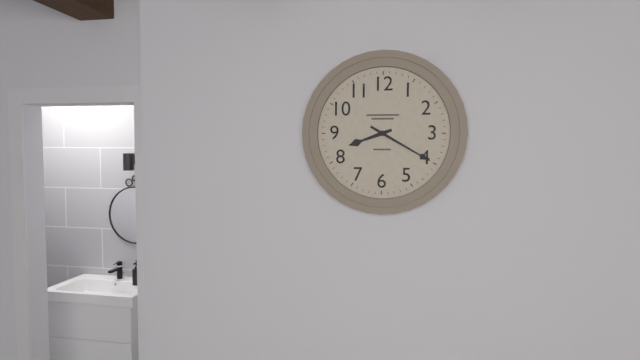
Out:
8.20
